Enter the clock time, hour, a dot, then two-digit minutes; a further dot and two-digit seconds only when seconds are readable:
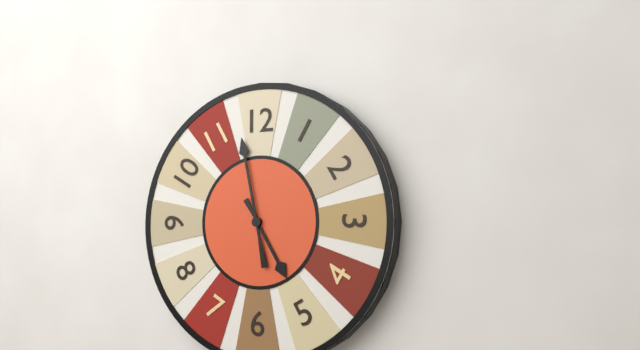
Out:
4.58
